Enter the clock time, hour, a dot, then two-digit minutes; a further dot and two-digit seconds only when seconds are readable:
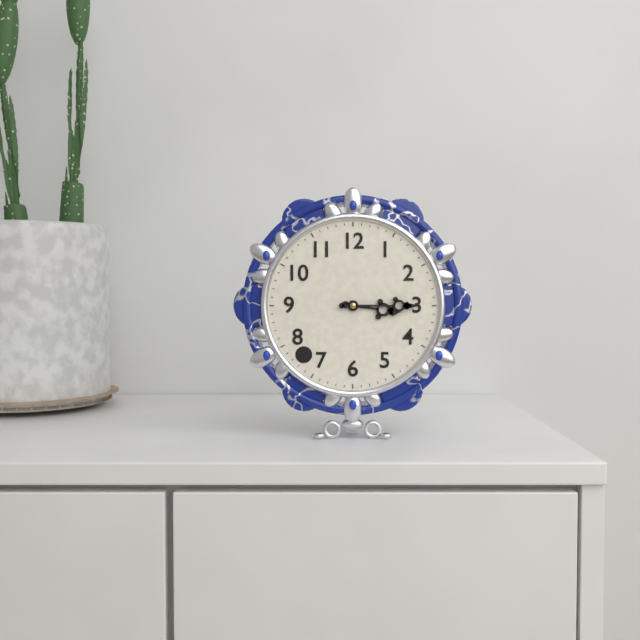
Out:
3.15
